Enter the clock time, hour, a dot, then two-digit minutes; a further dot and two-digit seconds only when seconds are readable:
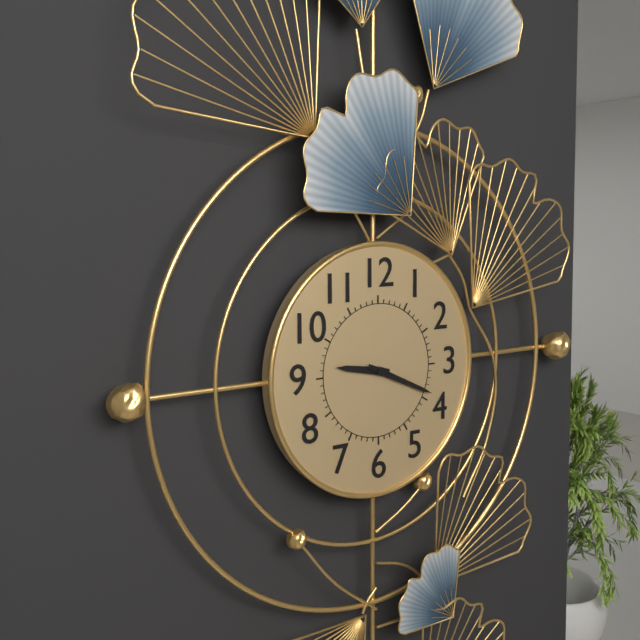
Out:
9.19
